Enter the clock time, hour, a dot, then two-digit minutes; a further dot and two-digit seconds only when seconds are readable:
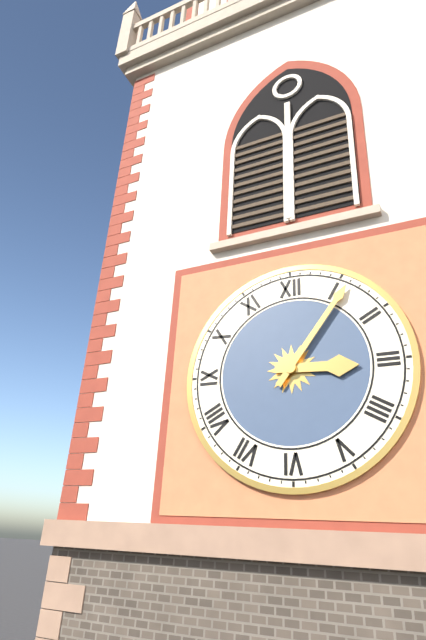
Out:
3.06
